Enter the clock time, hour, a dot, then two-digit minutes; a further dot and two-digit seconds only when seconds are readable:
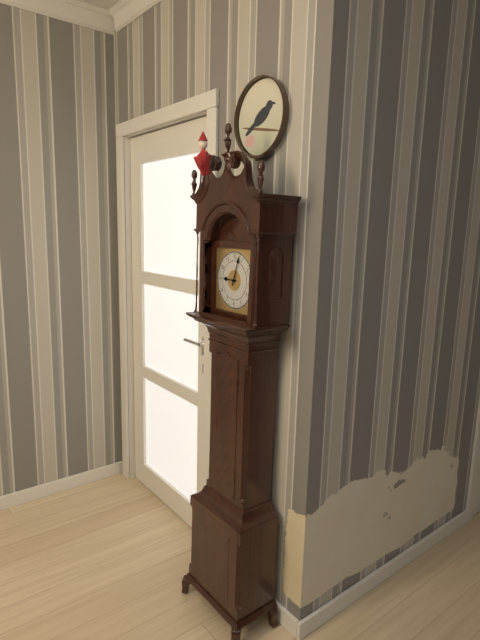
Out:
9.03
